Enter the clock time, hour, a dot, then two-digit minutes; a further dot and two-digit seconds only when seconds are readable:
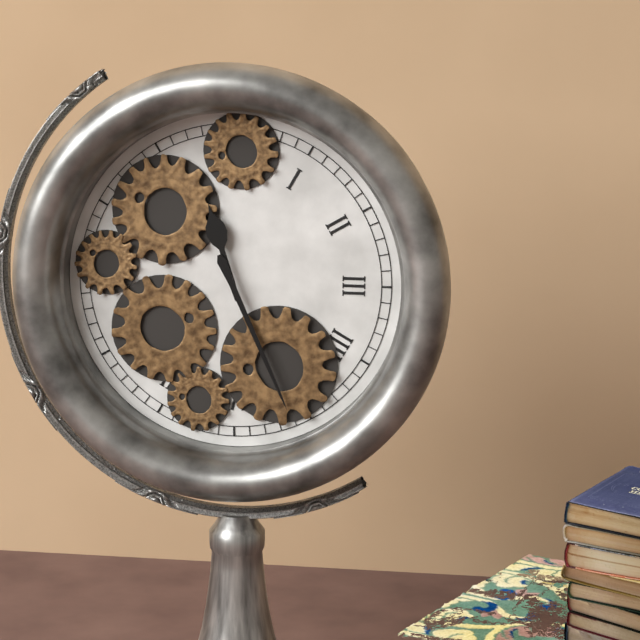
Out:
11.26
